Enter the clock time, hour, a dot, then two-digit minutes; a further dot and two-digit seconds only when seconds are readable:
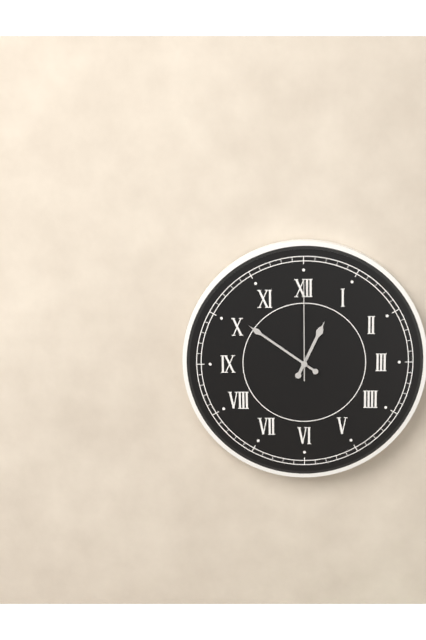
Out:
12.51.00
